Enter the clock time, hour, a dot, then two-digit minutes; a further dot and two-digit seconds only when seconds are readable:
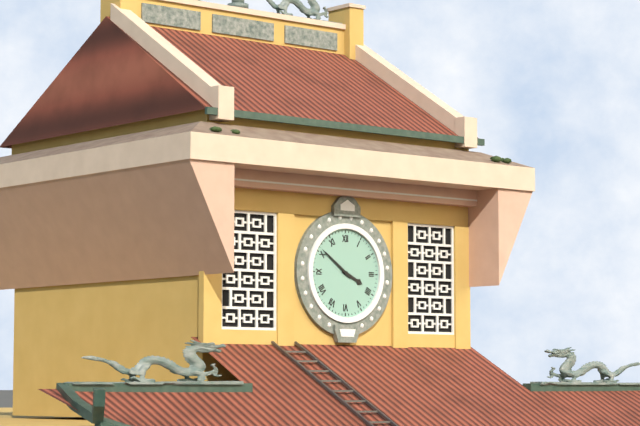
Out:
3.51
